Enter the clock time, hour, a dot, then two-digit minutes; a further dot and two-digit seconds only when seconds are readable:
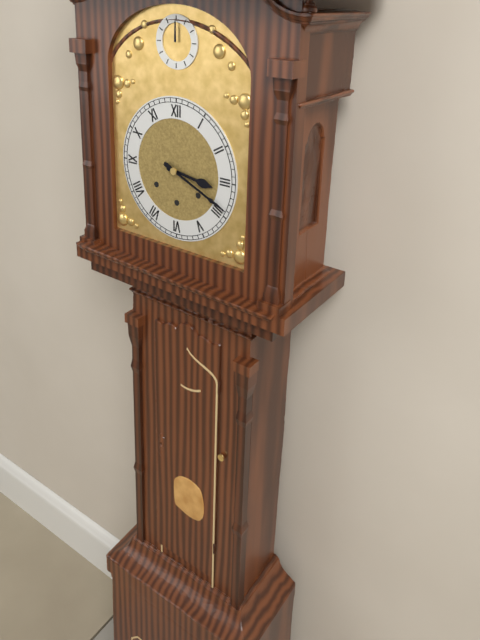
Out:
3.19
